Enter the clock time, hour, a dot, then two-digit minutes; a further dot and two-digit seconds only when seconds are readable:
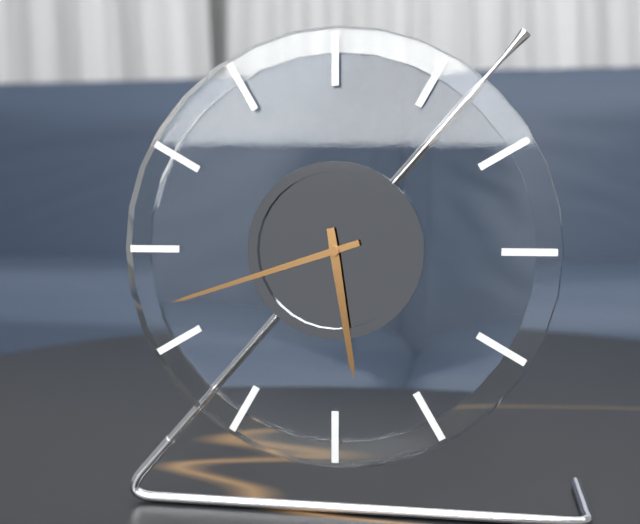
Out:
5.42
